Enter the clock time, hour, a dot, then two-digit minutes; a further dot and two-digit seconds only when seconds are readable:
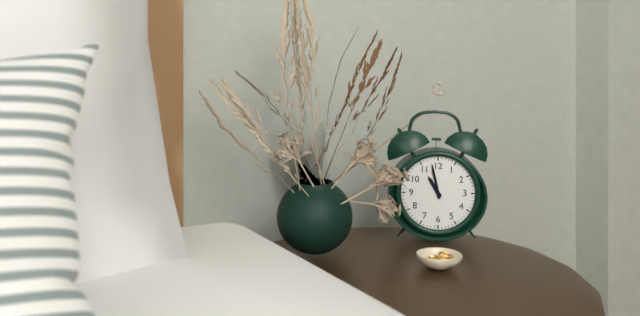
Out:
10.58
